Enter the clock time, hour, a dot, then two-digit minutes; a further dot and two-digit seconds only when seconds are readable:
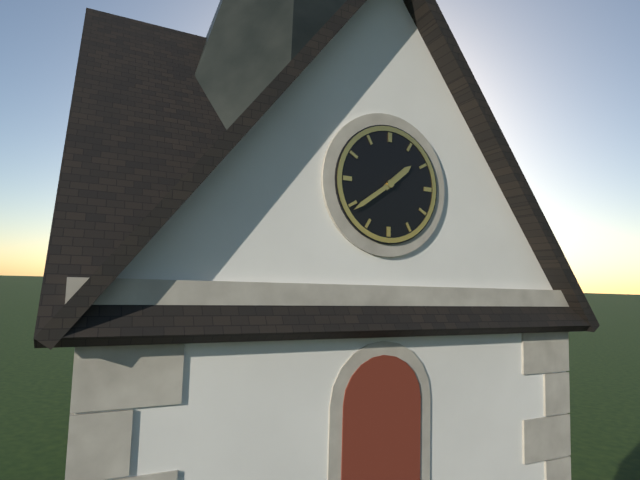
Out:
1.39
